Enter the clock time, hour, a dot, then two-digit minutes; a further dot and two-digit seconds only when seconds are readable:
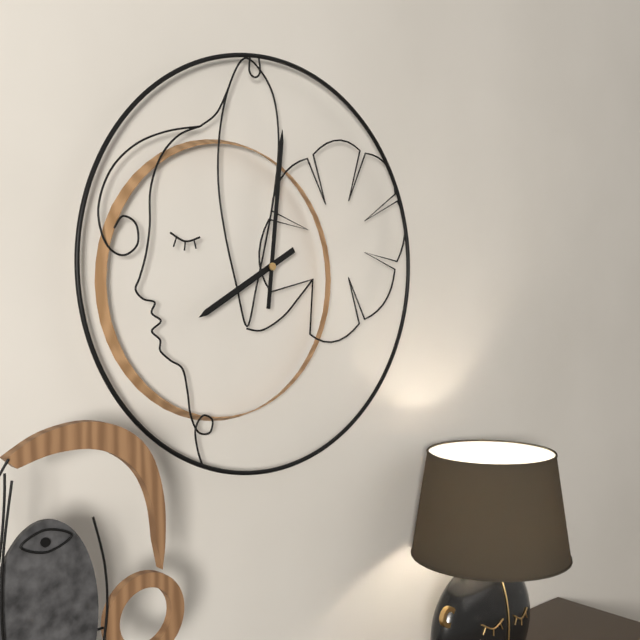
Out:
8.01
